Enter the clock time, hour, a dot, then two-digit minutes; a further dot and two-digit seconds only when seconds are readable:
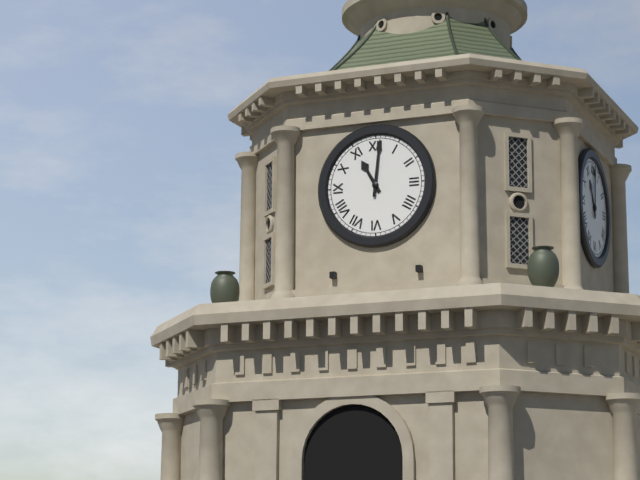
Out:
11.01
